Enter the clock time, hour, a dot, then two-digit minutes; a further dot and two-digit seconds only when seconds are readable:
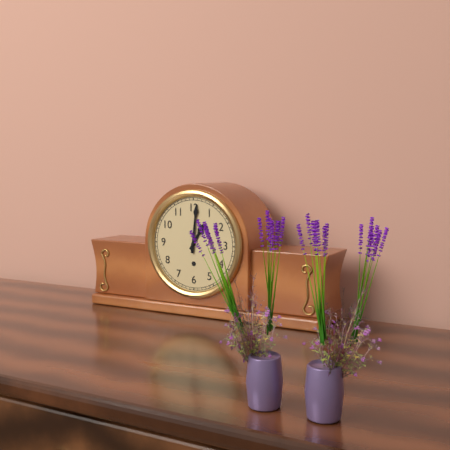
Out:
1.01
